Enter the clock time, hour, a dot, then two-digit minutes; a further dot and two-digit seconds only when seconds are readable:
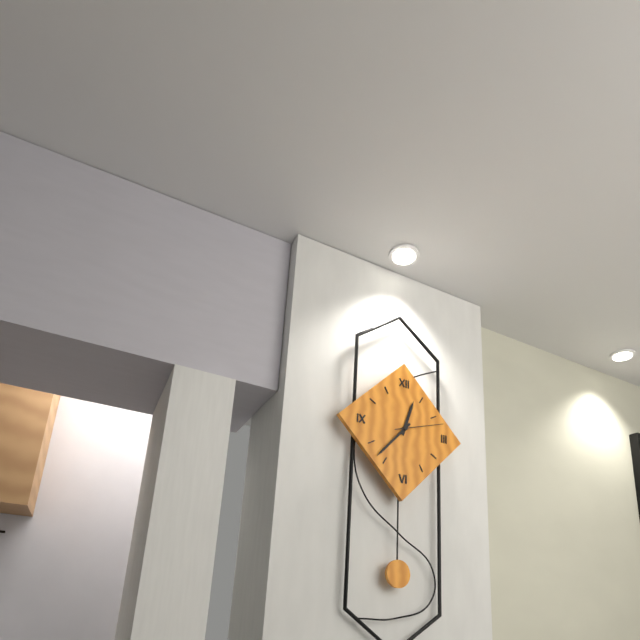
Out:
12.37
